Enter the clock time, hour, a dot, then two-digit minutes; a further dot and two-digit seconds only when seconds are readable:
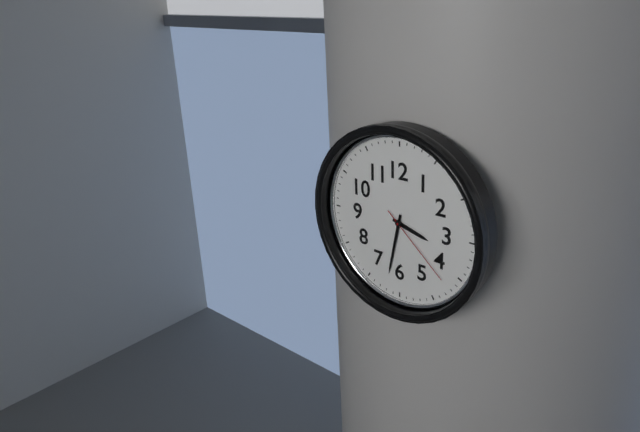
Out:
3.32.22
